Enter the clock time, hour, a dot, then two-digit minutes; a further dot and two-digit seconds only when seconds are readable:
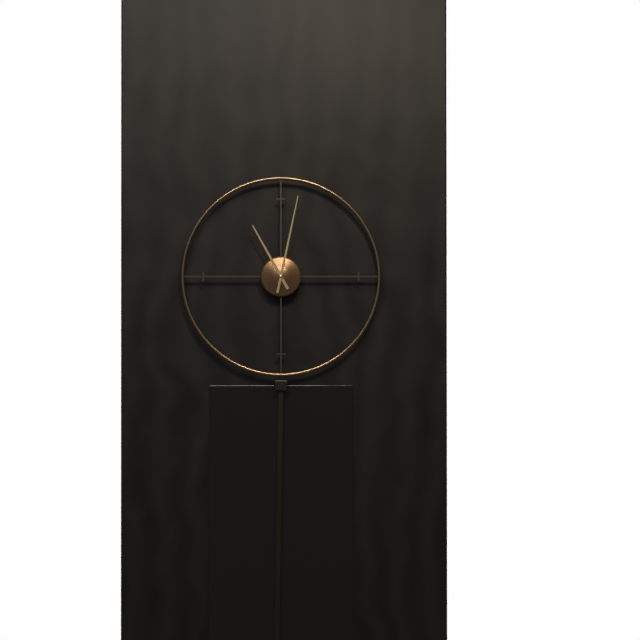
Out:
11.02
